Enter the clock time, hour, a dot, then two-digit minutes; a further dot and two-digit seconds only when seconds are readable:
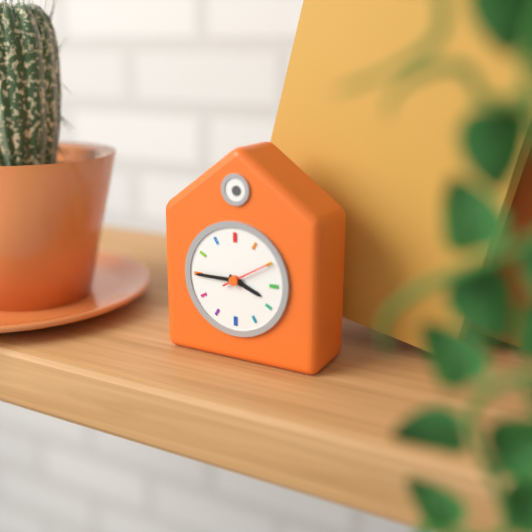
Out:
3.45
